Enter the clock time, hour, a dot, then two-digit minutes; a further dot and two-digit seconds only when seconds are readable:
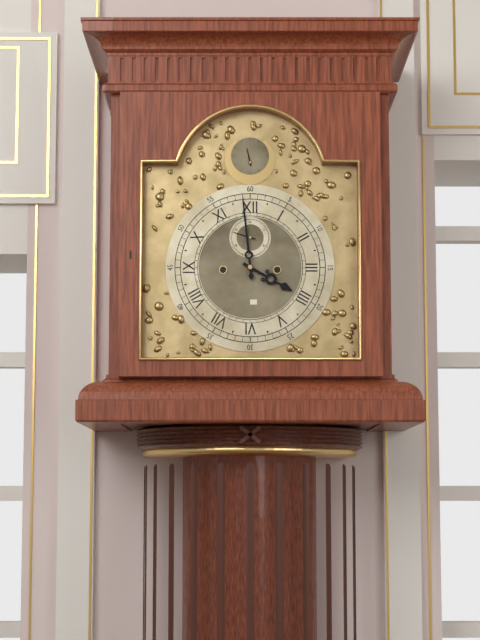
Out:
3.59
